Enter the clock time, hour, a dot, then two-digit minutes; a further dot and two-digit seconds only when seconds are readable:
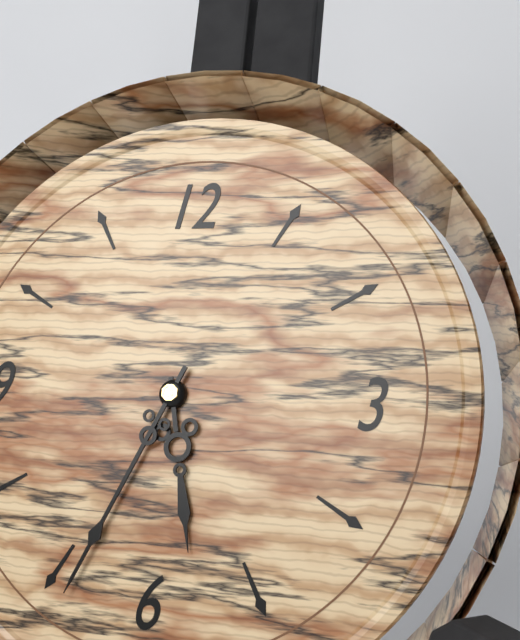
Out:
5.34
